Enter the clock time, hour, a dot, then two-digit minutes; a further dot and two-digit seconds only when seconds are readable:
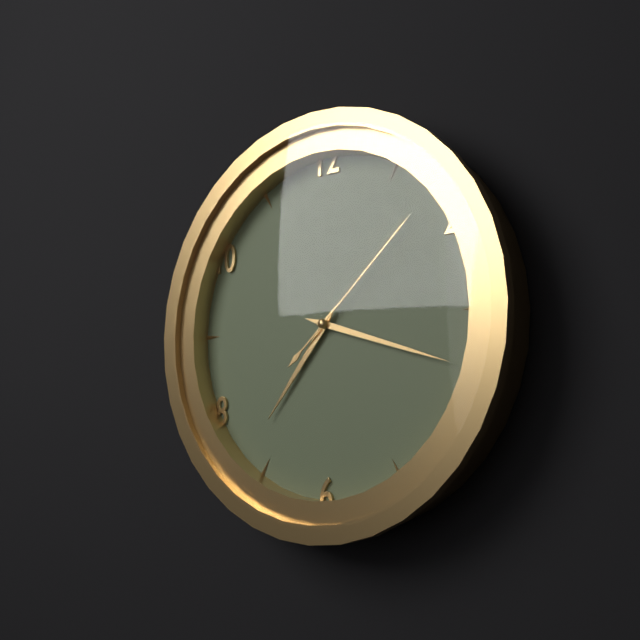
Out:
7.18.08
